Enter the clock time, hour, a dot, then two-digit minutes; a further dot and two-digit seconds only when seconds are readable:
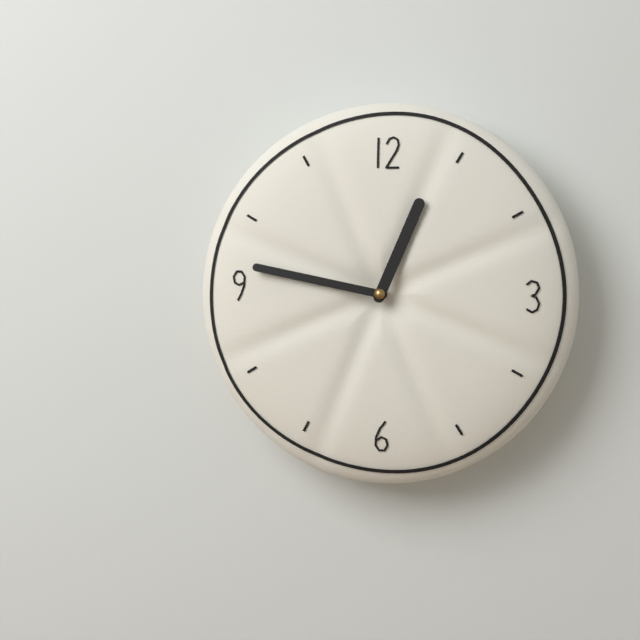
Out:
12.47
